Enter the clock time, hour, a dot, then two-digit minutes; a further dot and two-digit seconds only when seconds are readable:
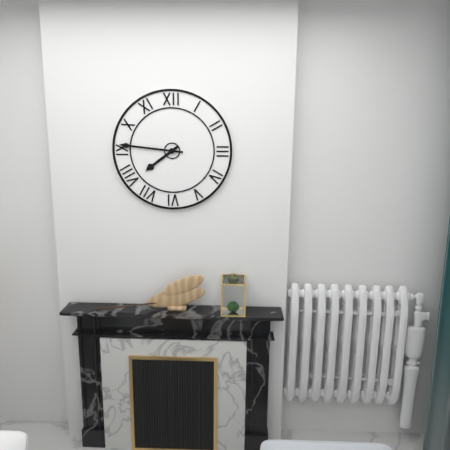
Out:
7.46
